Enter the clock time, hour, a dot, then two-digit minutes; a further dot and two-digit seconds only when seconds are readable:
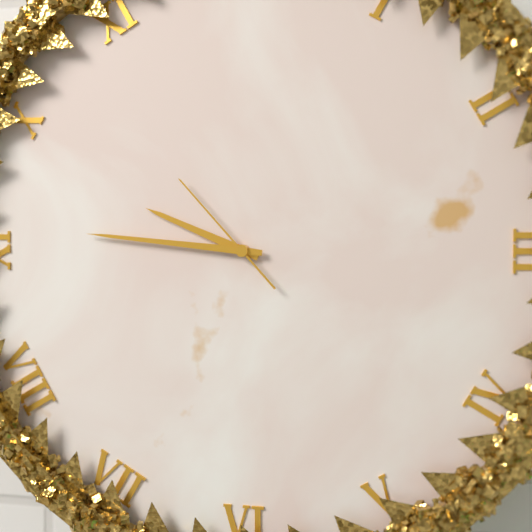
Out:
9.46.53
